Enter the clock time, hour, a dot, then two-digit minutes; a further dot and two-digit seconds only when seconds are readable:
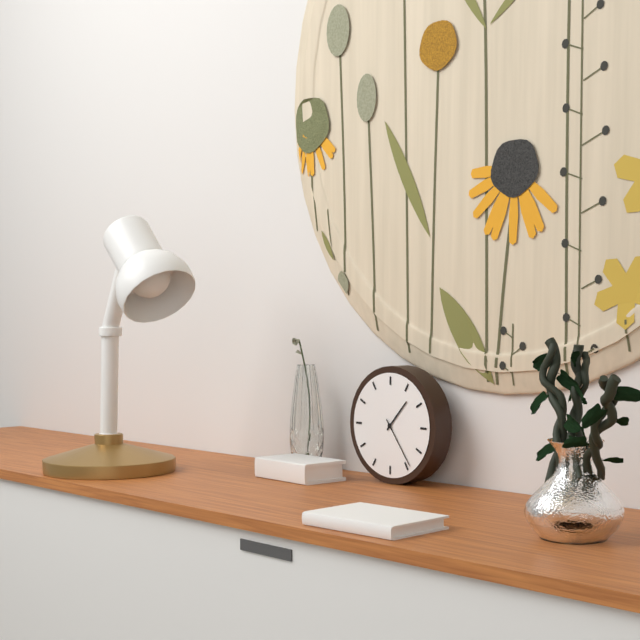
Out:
1.24
